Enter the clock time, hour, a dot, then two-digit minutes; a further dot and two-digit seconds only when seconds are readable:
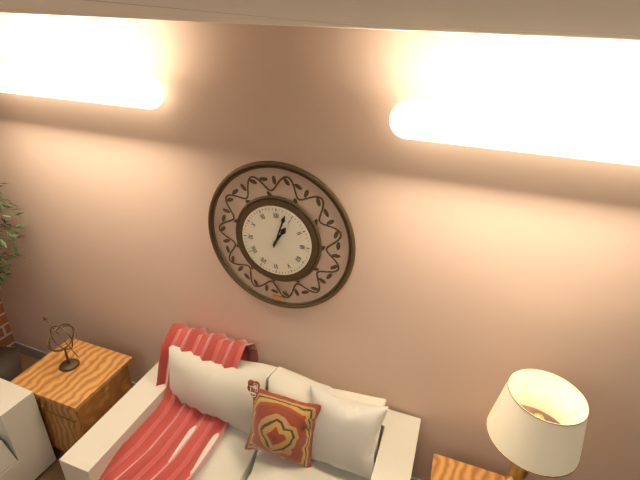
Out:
1.03
